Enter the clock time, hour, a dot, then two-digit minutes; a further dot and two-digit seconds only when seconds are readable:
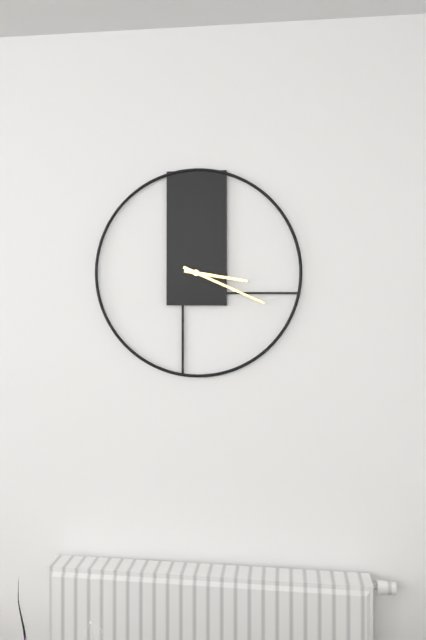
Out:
3.19
